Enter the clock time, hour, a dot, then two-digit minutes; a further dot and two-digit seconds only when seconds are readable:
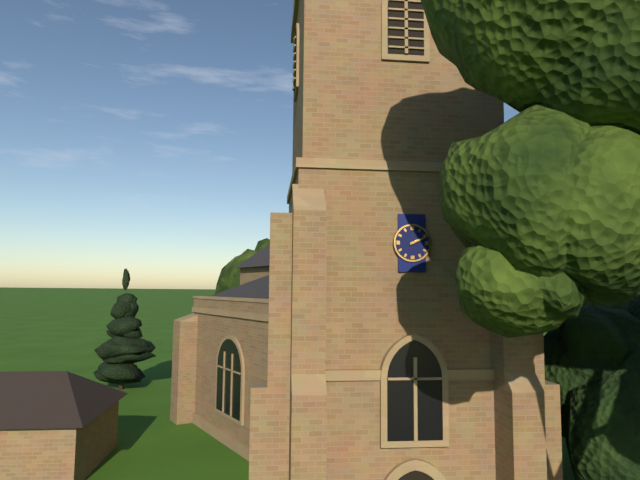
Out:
2.11
